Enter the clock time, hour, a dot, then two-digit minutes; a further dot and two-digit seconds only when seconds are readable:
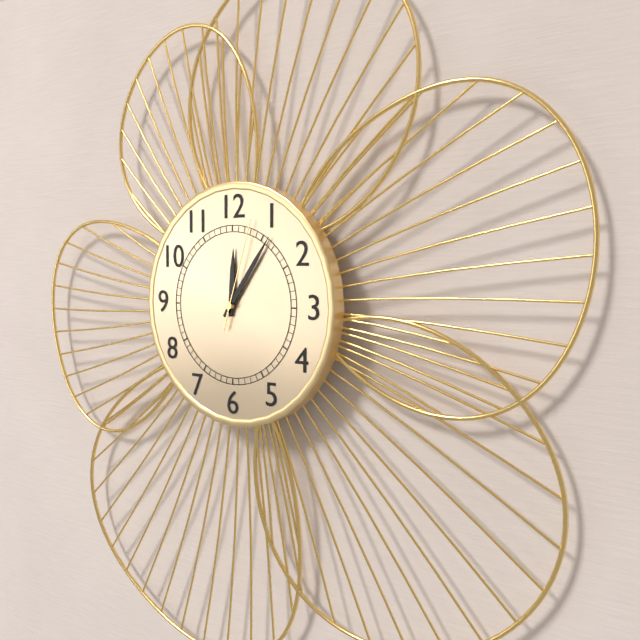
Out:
12.06.03
